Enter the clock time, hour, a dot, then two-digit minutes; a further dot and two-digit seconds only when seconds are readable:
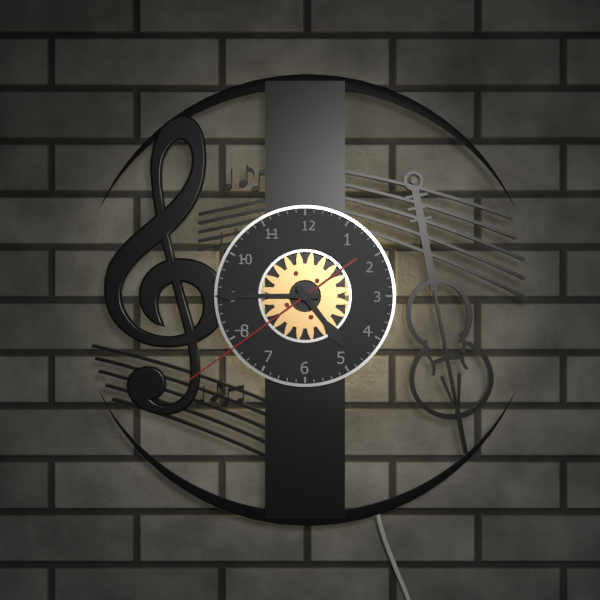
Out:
4.45.39
